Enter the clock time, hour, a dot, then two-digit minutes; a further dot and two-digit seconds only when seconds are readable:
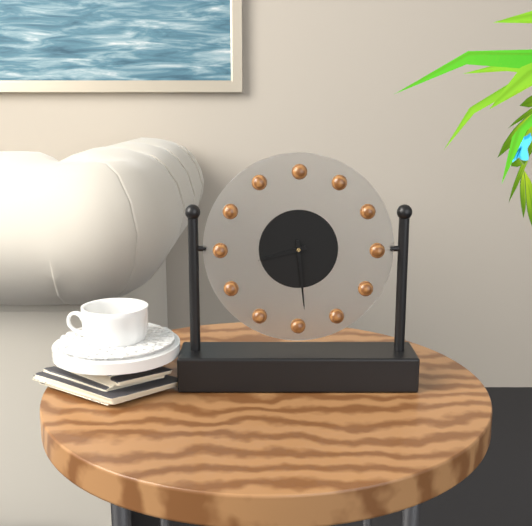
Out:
8.29
